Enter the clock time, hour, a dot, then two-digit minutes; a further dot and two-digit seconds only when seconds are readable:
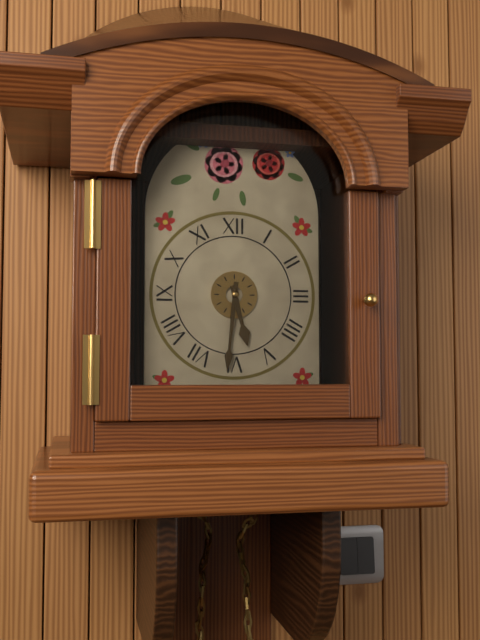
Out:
5.31
